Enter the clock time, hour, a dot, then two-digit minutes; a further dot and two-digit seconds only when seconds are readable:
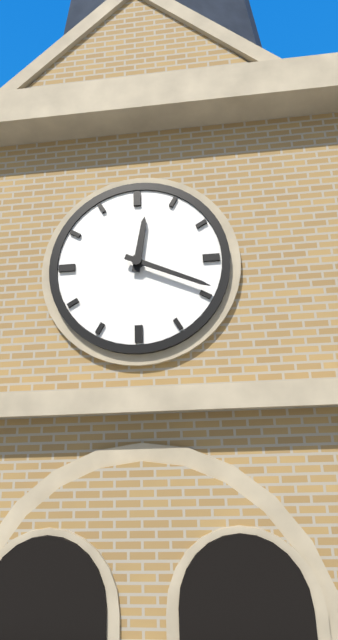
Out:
12.19
